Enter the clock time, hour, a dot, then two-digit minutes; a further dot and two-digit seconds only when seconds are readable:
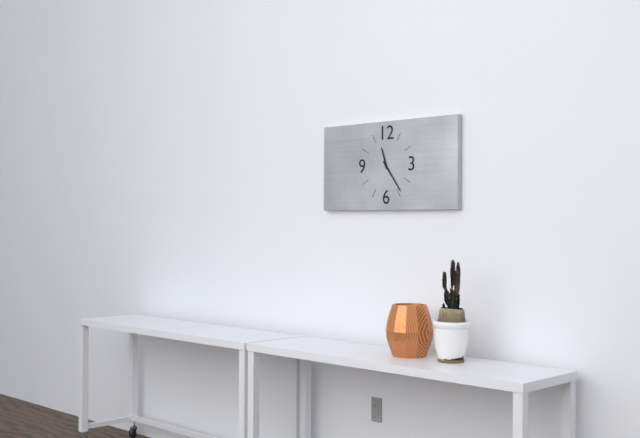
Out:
11.24
